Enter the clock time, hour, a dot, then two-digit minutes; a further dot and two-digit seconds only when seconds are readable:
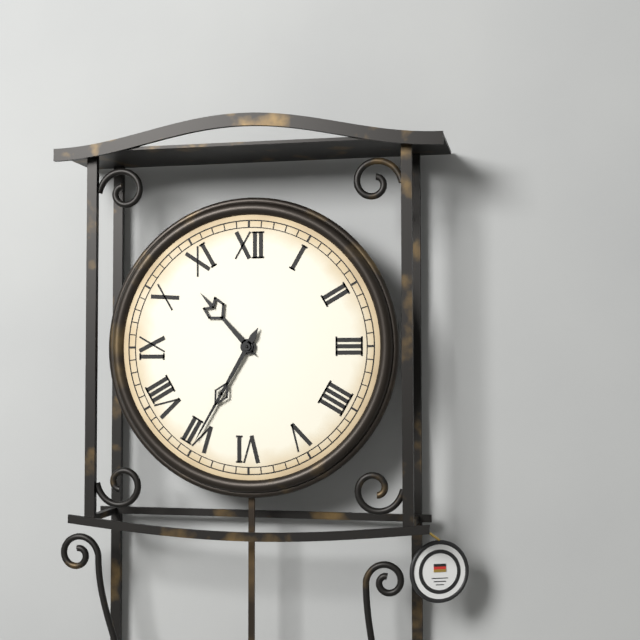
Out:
10.35
